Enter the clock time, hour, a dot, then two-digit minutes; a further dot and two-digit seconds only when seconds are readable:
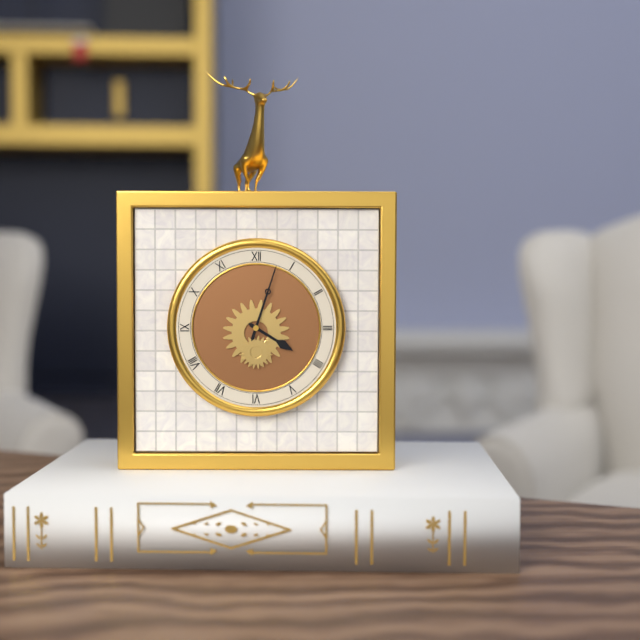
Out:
4.03
